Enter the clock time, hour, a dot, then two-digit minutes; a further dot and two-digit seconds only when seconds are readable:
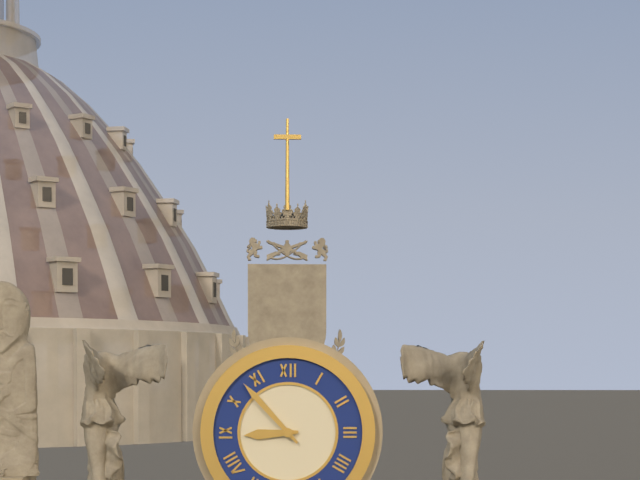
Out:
8.53
